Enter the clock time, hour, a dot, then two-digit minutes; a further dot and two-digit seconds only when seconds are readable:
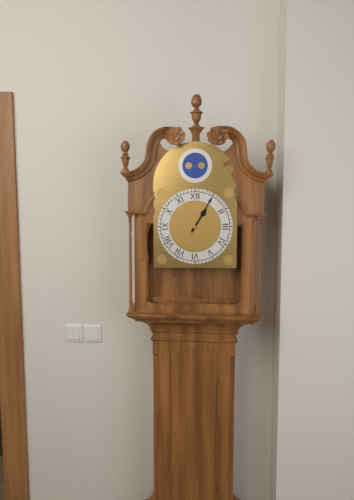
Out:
1.05
